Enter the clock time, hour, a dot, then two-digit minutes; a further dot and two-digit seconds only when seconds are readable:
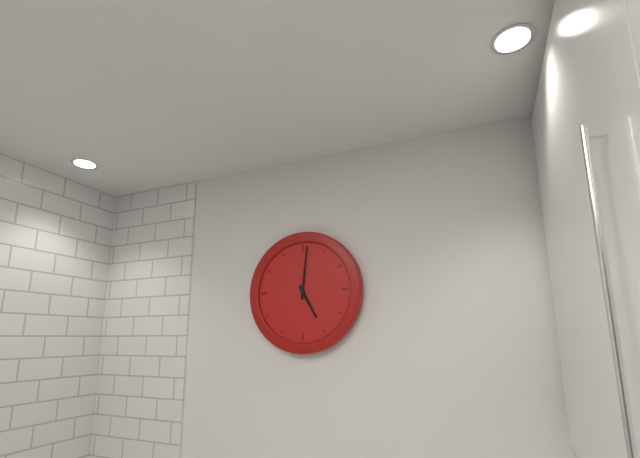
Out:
5.01
